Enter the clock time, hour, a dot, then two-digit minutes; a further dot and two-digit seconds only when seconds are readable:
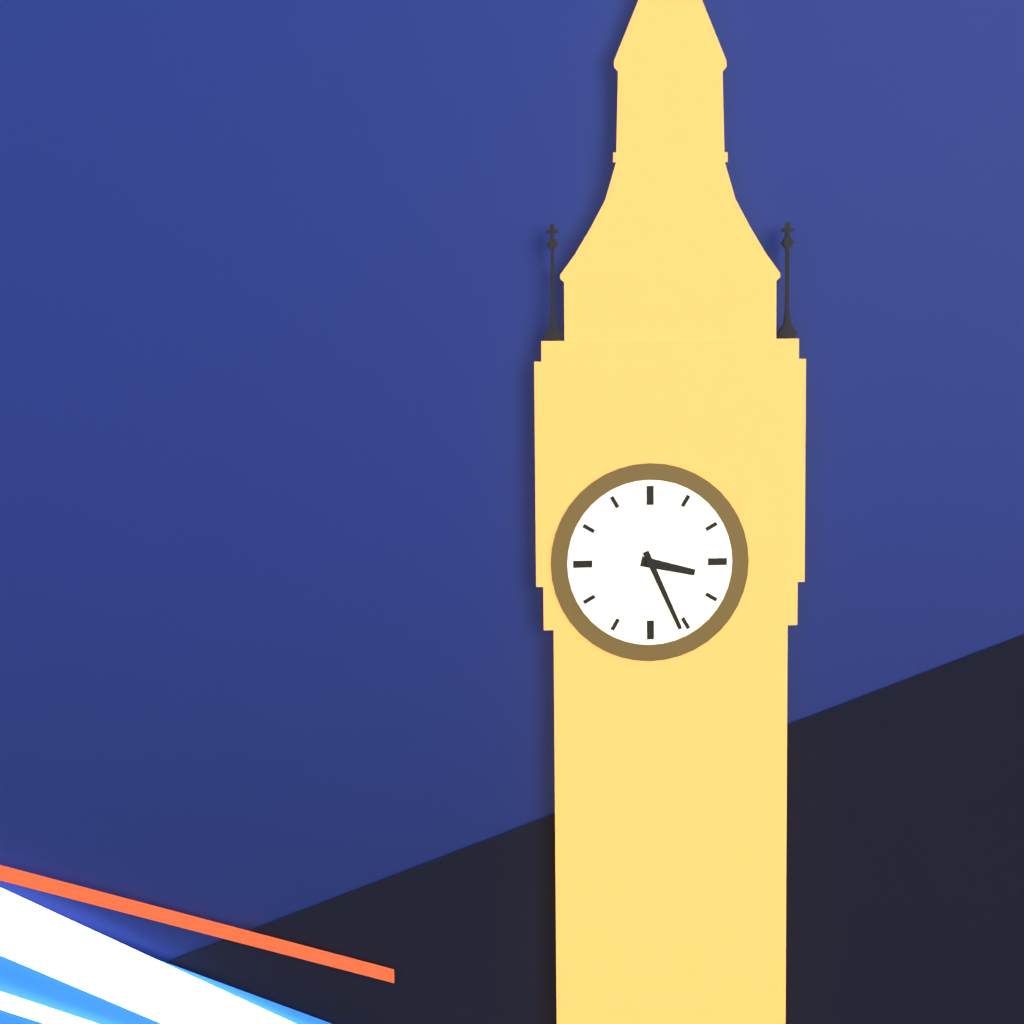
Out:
3.26
